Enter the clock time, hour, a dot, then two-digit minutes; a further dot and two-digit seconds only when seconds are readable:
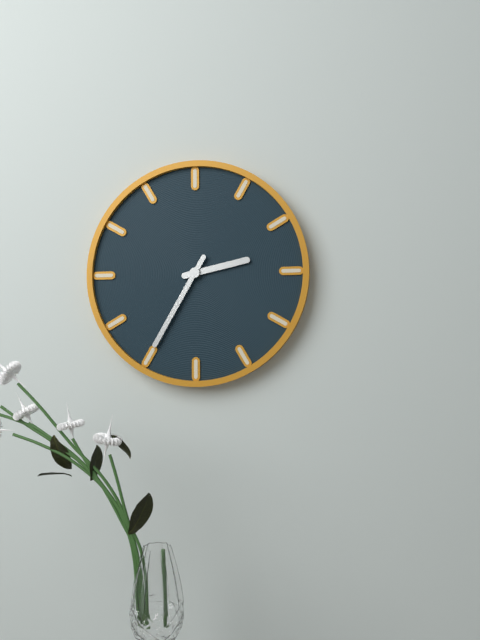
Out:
2.35
